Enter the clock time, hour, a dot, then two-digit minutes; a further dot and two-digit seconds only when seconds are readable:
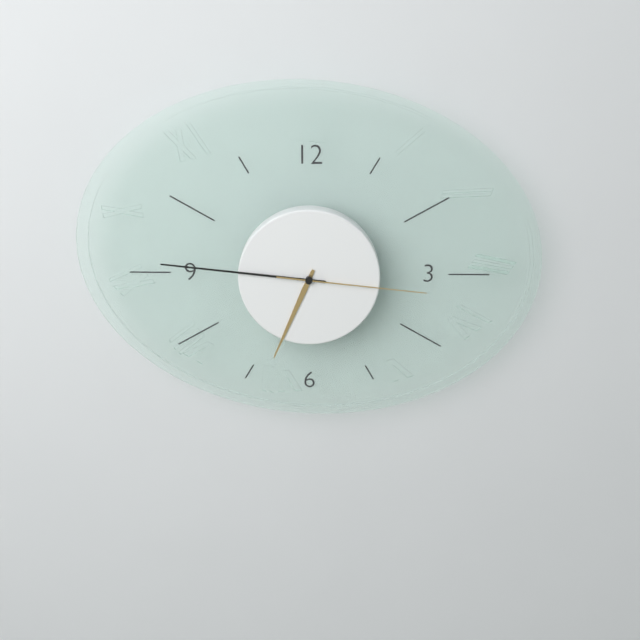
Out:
6.46.16
